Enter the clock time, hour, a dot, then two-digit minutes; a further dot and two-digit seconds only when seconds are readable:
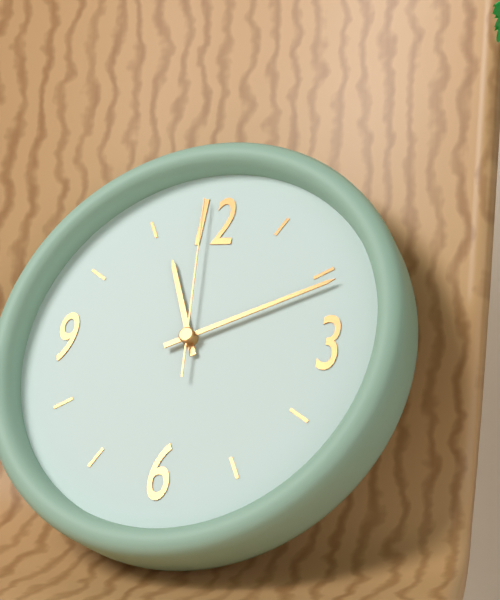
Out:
11.11.59
